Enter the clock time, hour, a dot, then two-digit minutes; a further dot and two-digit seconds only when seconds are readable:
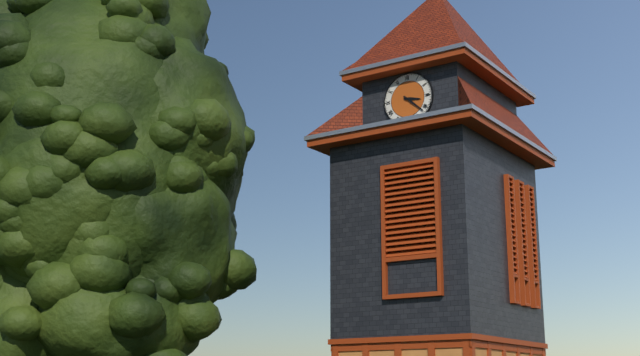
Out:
3.22
